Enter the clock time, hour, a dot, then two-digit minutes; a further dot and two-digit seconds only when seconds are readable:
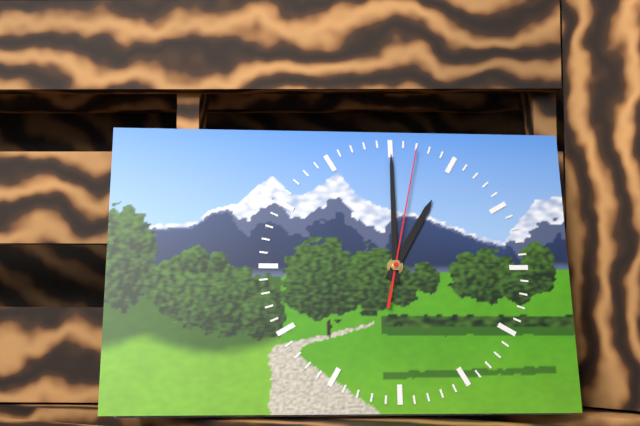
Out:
1.00.02
